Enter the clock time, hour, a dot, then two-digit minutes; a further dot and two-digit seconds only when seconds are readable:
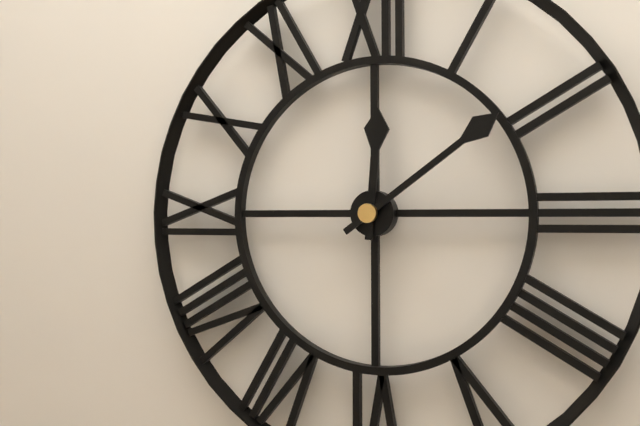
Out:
12.09
